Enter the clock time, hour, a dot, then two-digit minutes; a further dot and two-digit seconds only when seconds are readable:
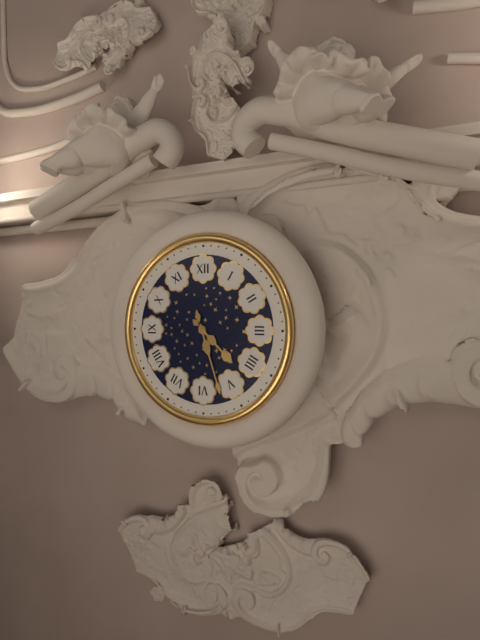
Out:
4.27
